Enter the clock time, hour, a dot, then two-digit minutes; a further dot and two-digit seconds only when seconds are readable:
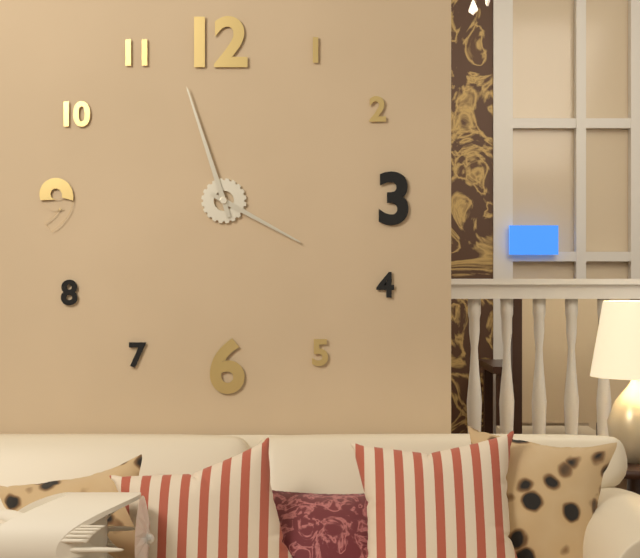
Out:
3.57
